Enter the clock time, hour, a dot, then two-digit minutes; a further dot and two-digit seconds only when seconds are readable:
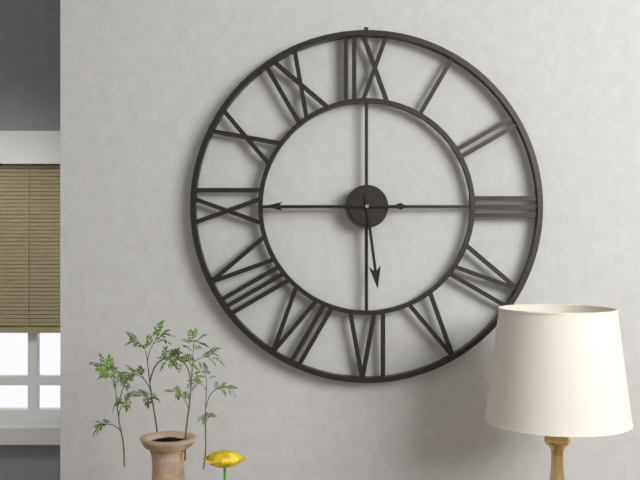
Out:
5.45
